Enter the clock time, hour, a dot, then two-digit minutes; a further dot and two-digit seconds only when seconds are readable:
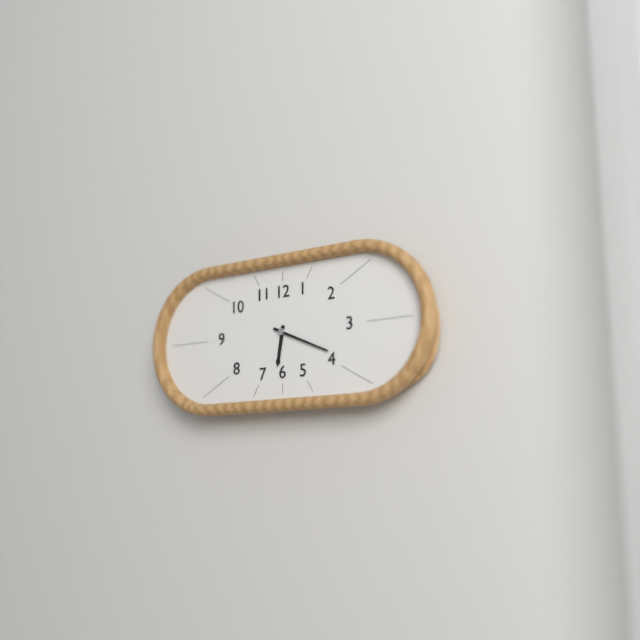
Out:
6.19
